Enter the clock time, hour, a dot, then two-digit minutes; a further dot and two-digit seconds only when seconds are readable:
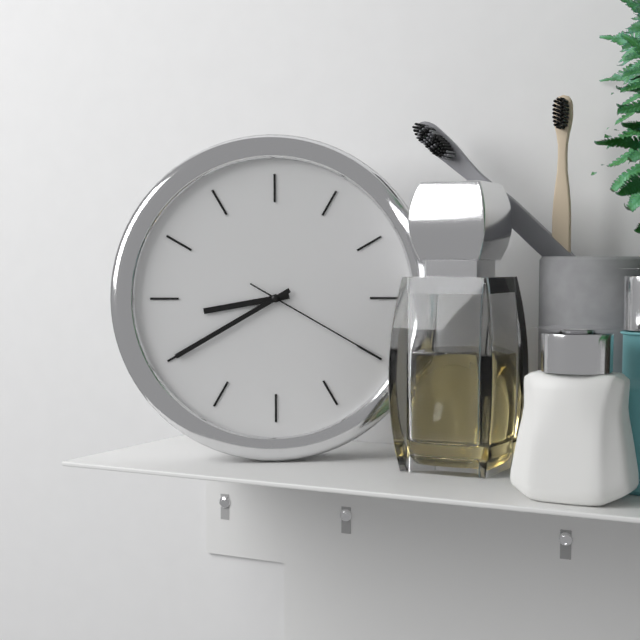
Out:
8.40.20
